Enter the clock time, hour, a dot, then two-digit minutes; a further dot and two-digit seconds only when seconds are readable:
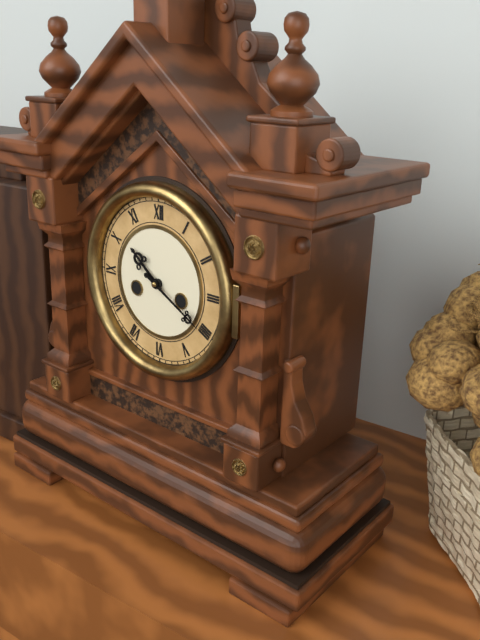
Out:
10.20
